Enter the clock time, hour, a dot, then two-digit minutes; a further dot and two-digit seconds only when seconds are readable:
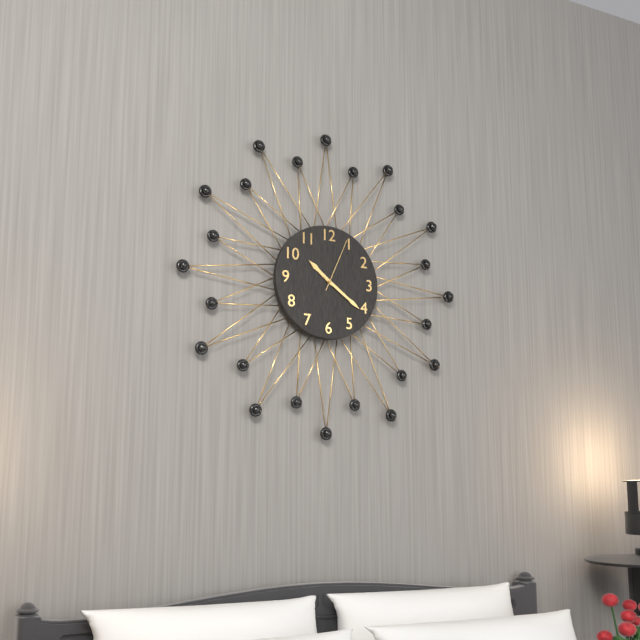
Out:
10.21.04
